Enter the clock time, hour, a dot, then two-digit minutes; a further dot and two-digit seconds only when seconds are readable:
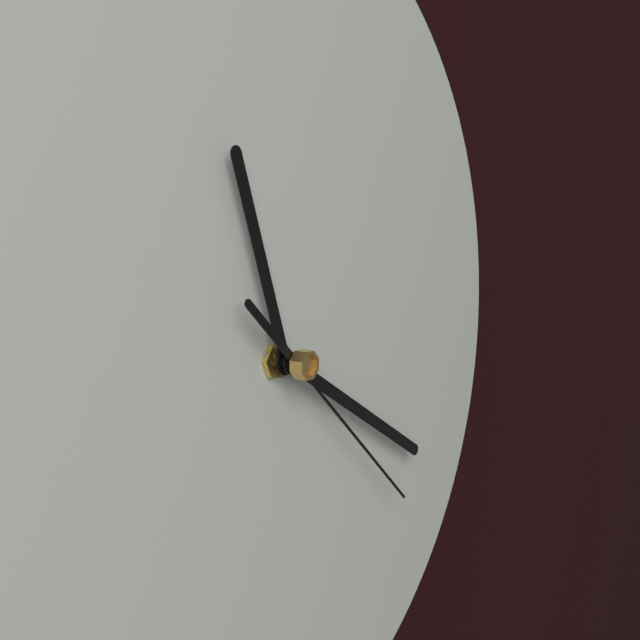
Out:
11.20.22
